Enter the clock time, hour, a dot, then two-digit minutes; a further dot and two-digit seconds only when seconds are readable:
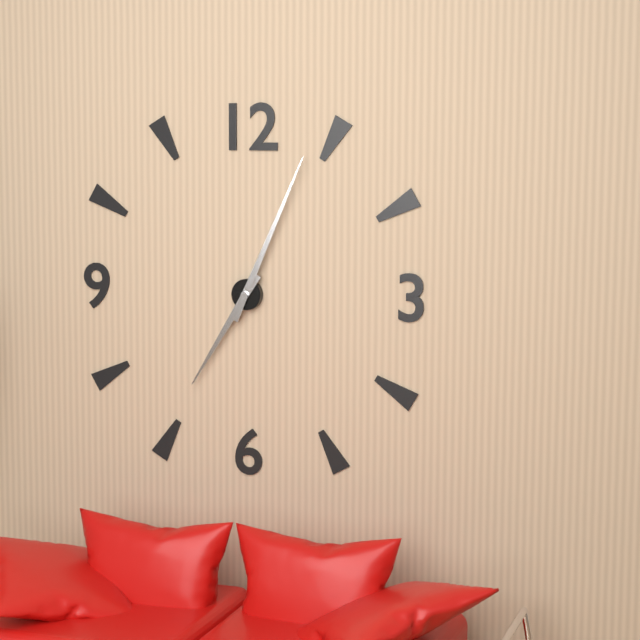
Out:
7.04
